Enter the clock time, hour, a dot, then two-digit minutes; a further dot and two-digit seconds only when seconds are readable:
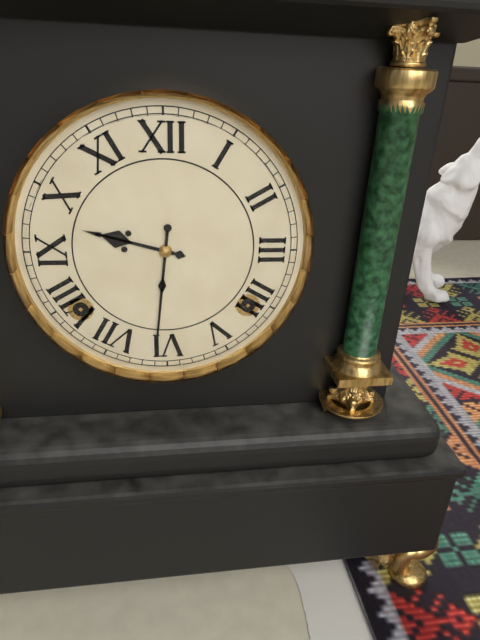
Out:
9.31
